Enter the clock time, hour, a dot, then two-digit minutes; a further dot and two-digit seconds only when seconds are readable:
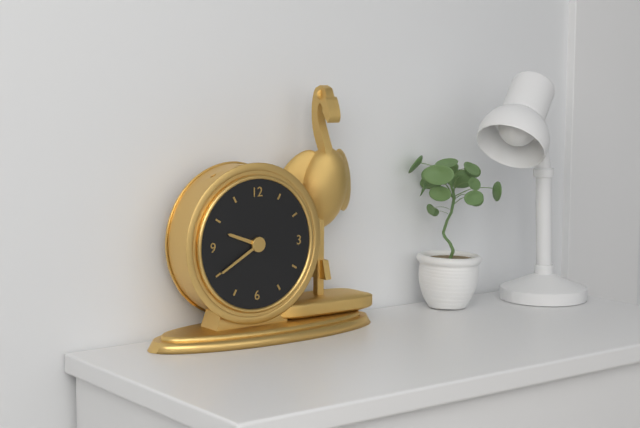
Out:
9.40
